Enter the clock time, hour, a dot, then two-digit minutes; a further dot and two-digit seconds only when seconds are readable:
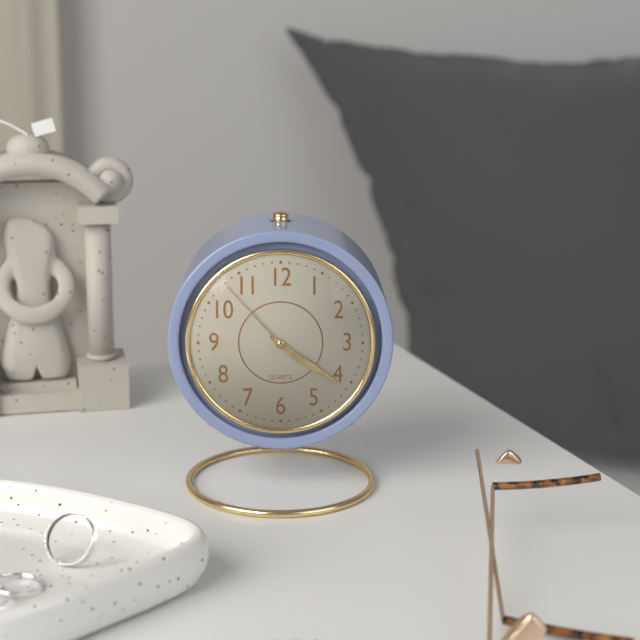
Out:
4.21.53
